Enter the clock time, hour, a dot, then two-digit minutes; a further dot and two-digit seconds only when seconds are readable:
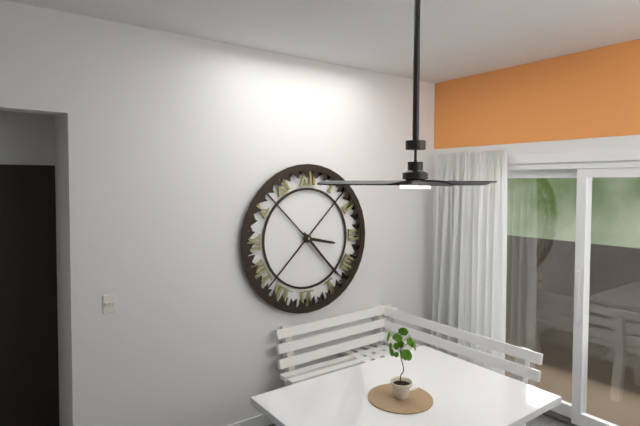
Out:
3.23
